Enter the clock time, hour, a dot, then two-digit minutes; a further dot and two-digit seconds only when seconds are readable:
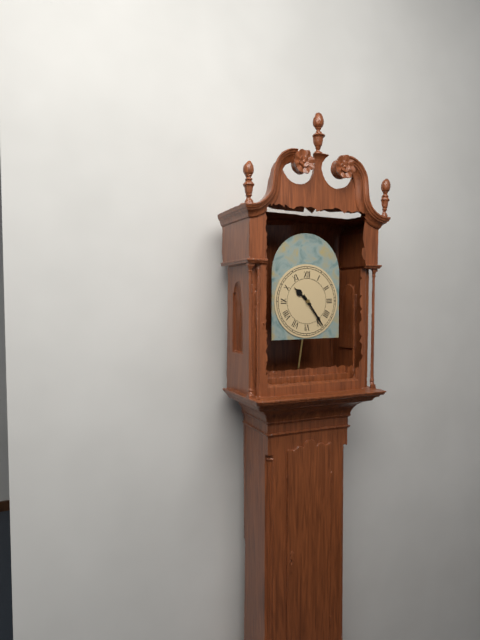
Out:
10.24
